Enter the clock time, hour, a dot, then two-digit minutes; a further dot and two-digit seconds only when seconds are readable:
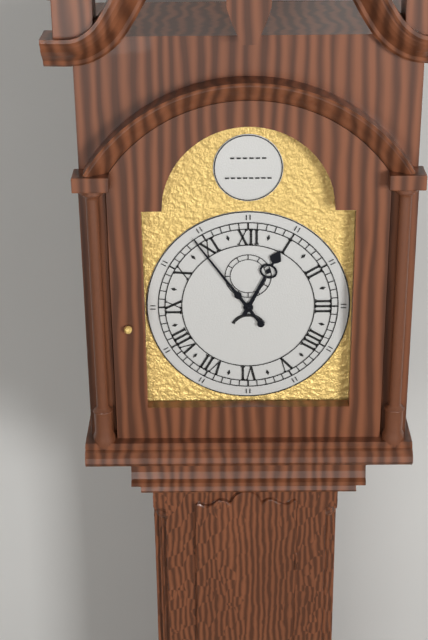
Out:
12.54
